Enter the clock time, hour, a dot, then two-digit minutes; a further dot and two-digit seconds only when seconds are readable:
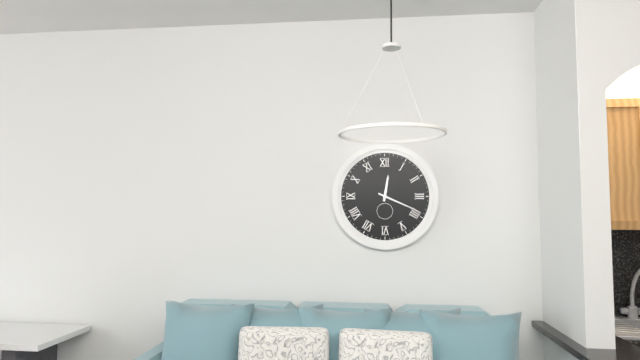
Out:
12.19
